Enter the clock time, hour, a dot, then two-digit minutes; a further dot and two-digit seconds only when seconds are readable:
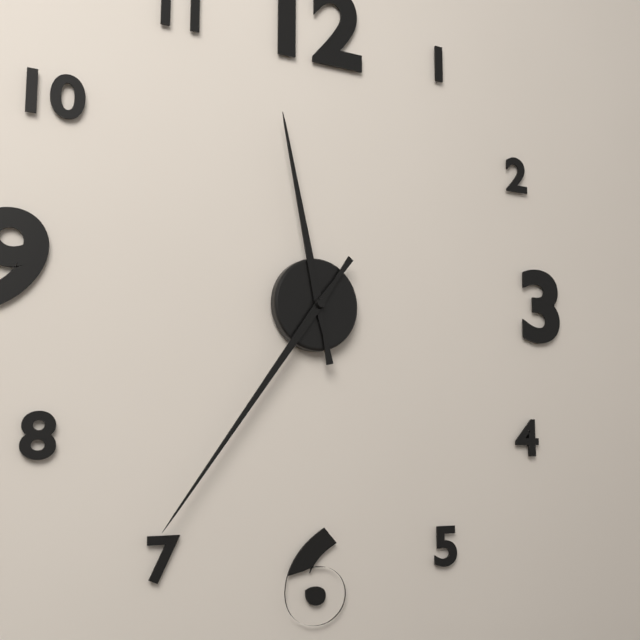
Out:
11.36
